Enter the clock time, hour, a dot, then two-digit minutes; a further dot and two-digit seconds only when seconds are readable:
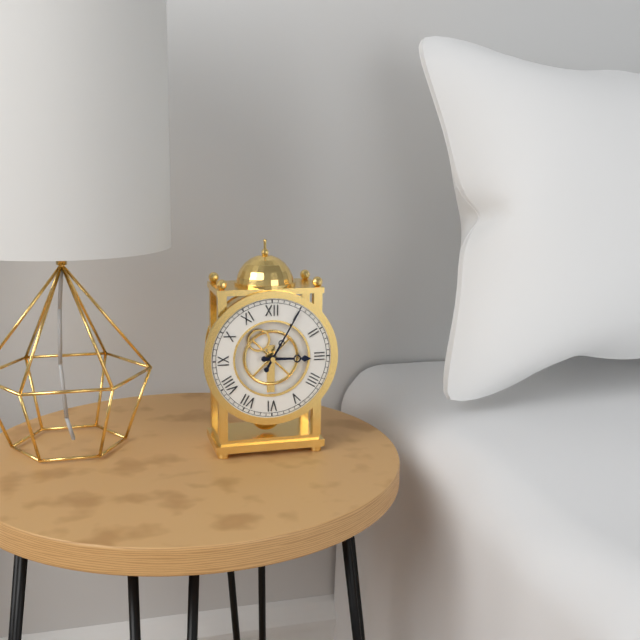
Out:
3.05
